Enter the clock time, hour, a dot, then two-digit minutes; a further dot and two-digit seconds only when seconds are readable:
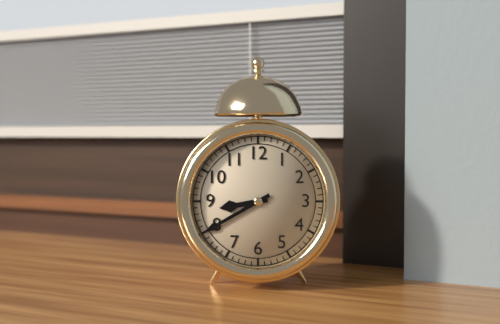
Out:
8.40
